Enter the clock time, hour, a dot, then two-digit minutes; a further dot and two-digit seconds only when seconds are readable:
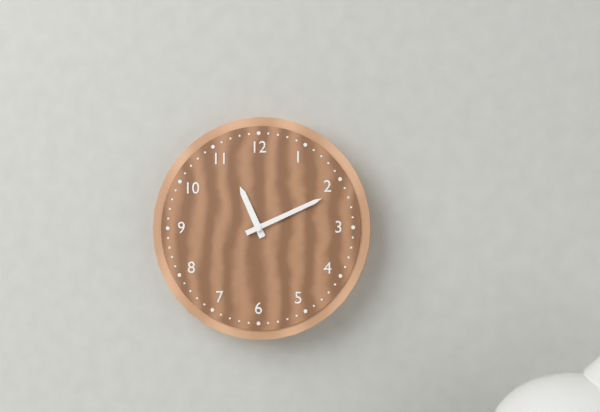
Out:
11.11
